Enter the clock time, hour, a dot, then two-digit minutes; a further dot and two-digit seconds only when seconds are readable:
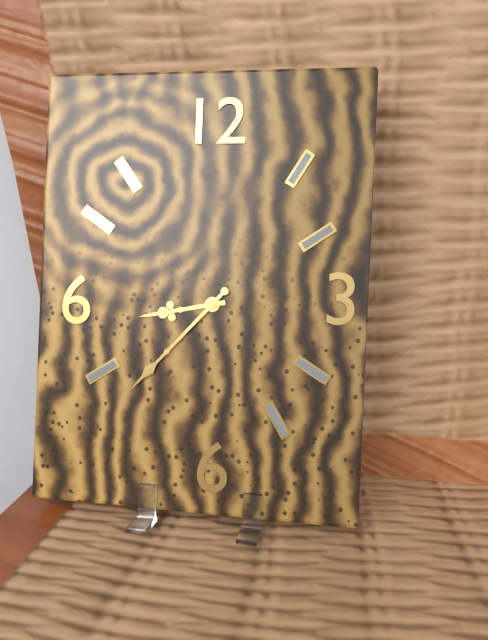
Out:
8.37
